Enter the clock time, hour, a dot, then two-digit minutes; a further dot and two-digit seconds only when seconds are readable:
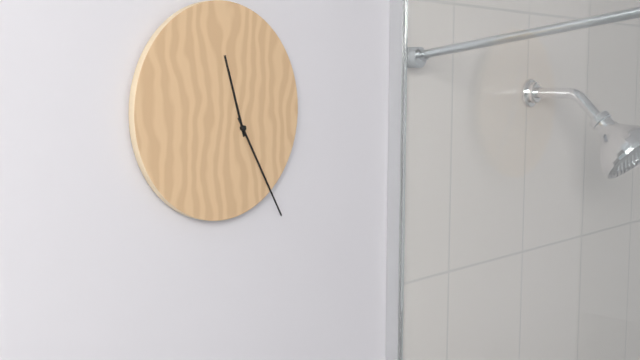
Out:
11.25
